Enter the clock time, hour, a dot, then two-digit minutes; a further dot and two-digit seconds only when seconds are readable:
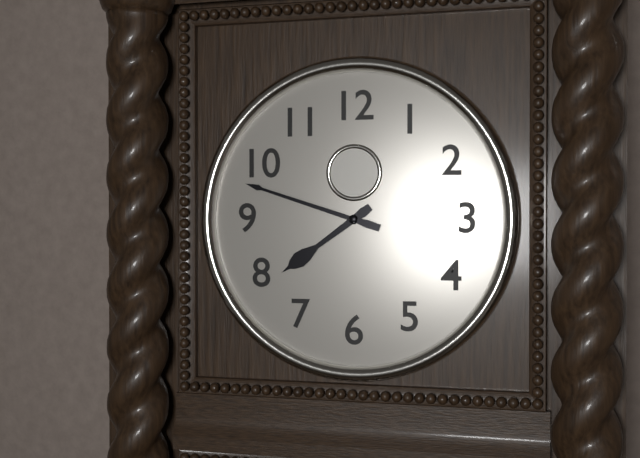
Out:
7.48
